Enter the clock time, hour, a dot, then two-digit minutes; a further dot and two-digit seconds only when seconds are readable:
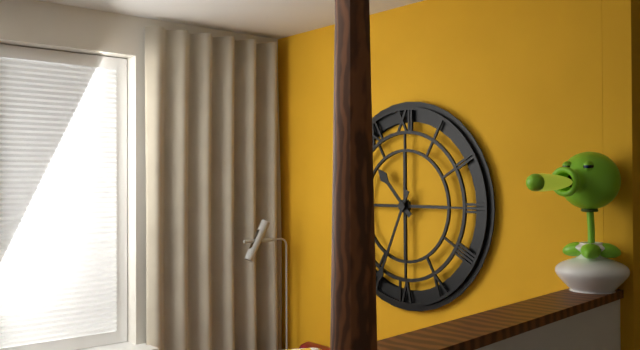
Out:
10.34
